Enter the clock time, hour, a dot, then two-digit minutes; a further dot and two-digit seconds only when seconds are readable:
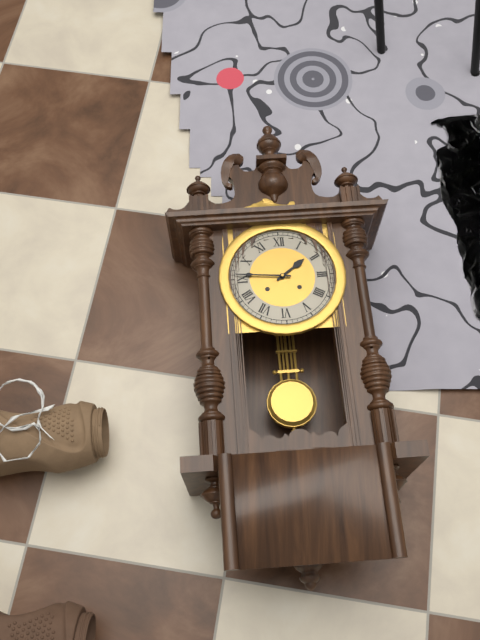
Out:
1.46
